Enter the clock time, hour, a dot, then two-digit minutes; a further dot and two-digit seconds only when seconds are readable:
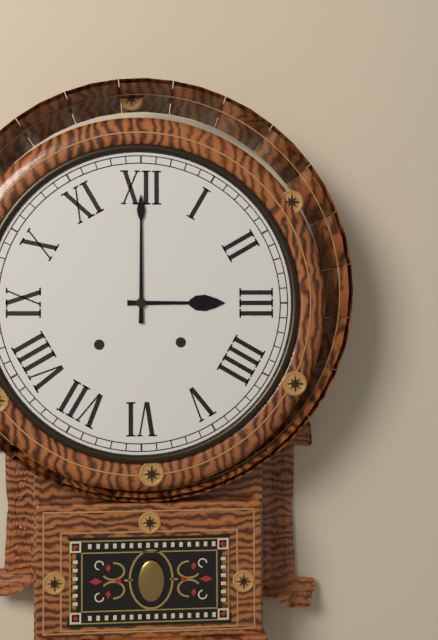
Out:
3.00
